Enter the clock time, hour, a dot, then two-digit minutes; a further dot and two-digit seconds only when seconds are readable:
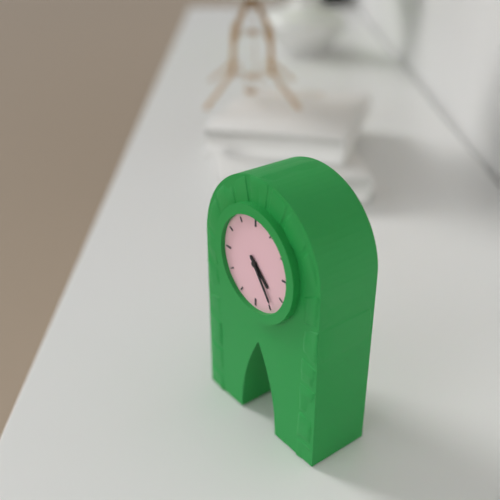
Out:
4.24
